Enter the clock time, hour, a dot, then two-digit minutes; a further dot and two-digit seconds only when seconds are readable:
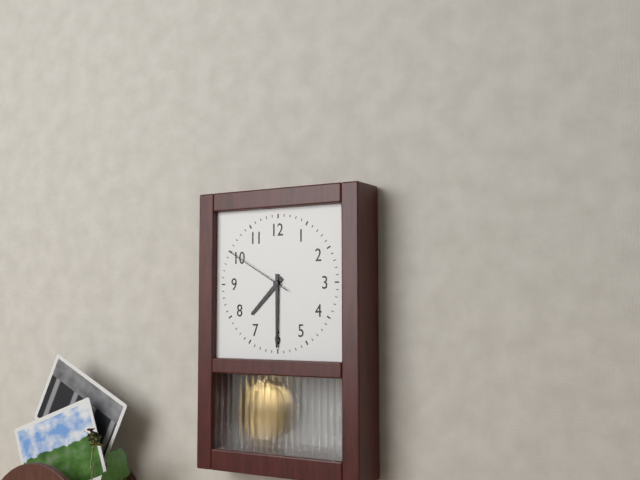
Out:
7.30.50
